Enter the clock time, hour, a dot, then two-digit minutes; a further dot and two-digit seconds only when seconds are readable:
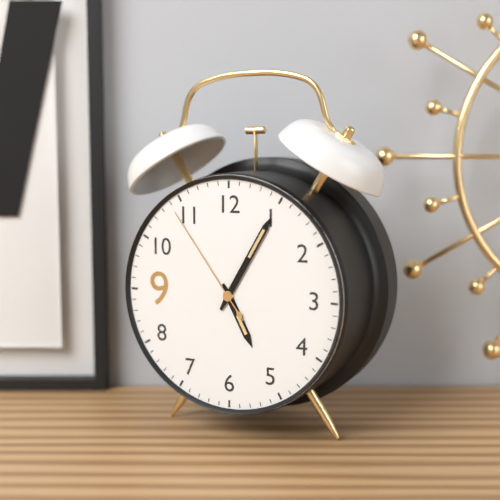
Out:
5.05.54
